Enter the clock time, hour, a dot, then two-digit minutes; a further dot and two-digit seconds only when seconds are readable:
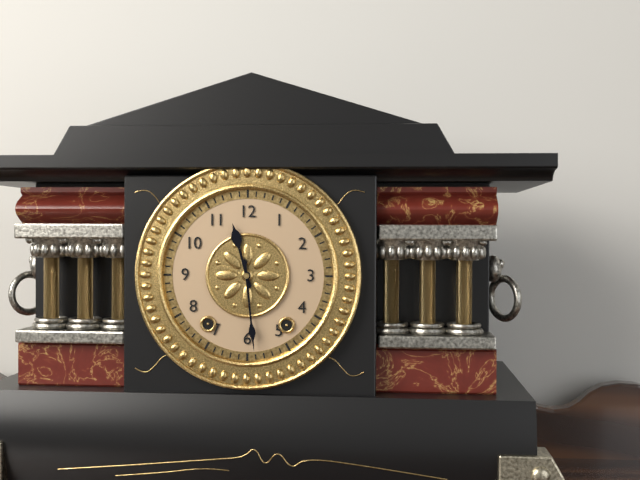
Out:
11.29
